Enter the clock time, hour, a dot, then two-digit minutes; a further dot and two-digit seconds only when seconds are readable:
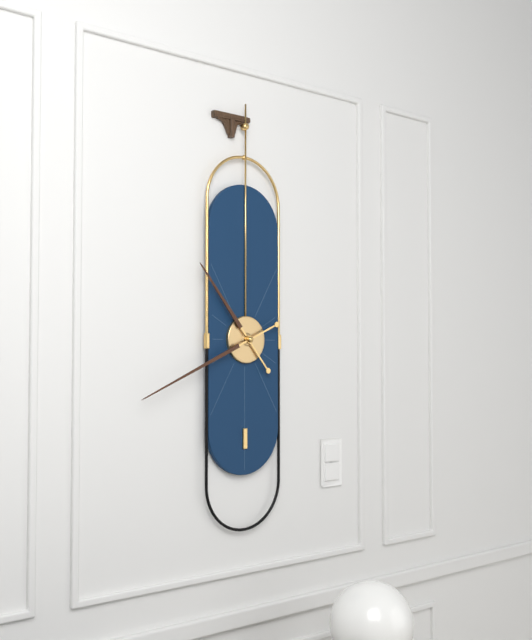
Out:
10.41
